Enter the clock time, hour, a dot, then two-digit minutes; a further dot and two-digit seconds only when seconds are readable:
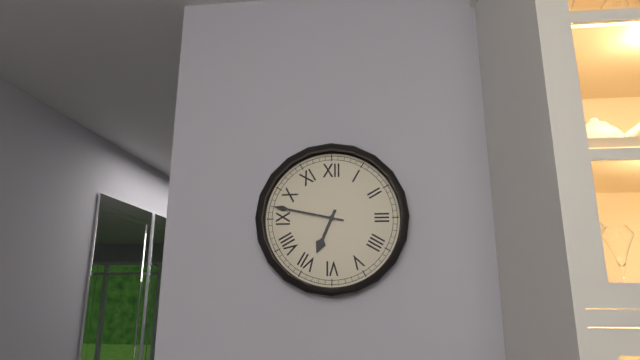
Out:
6.47
